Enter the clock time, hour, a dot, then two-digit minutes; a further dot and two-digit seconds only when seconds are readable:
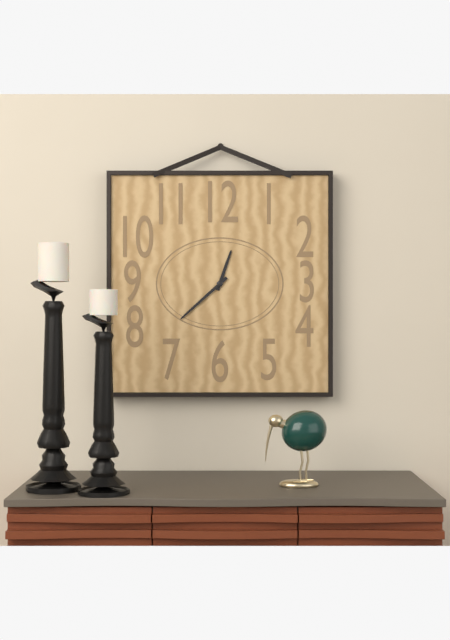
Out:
12.38
